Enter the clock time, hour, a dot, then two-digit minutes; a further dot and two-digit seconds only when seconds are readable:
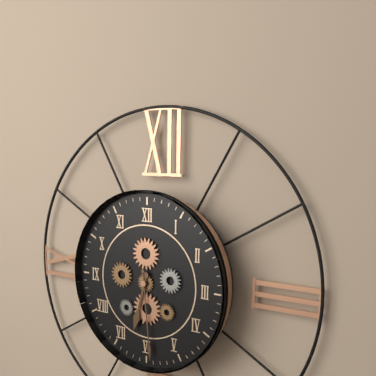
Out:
6.29
